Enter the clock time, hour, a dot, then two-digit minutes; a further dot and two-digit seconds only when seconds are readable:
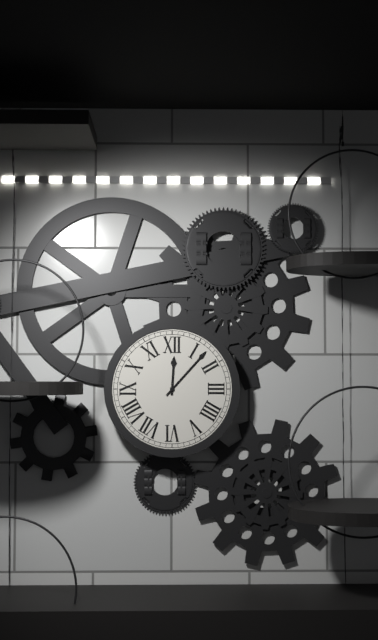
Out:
12.07
